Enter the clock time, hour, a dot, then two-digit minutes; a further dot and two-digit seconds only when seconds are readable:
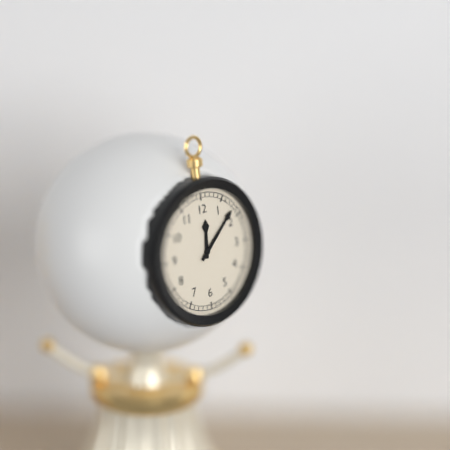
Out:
12.08
